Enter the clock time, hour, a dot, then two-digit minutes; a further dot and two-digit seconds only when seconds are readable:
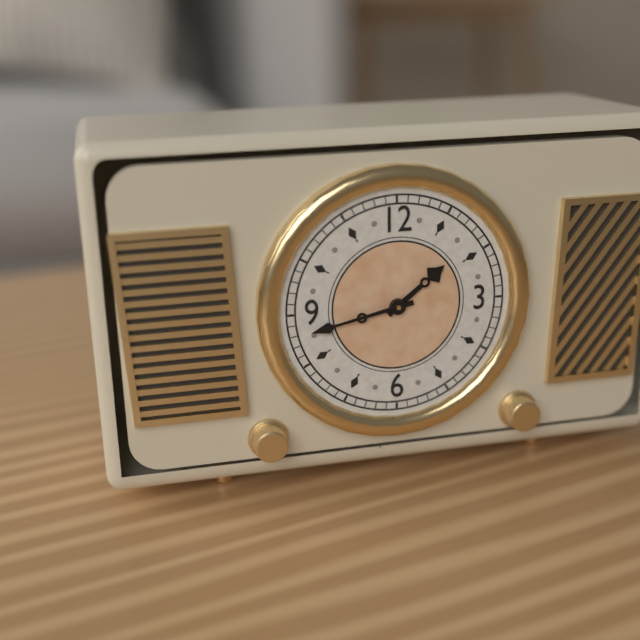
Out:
1.43
